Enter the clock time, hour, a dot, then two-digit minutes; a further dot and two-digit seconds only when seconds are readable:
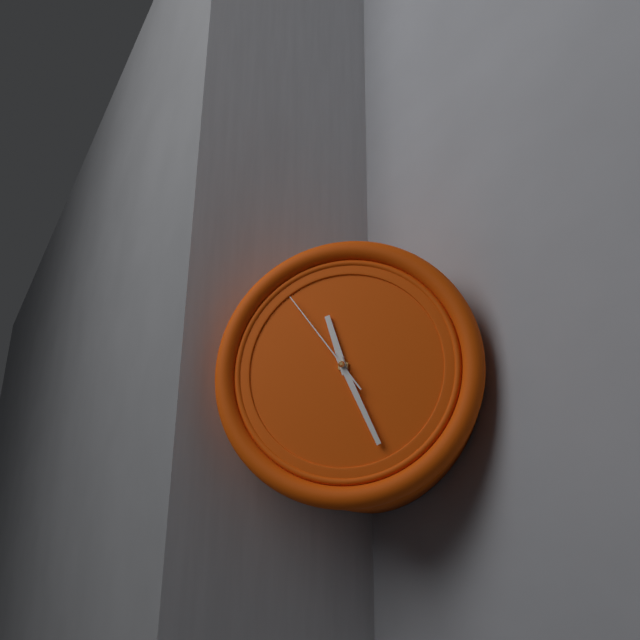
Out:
11.26.54
